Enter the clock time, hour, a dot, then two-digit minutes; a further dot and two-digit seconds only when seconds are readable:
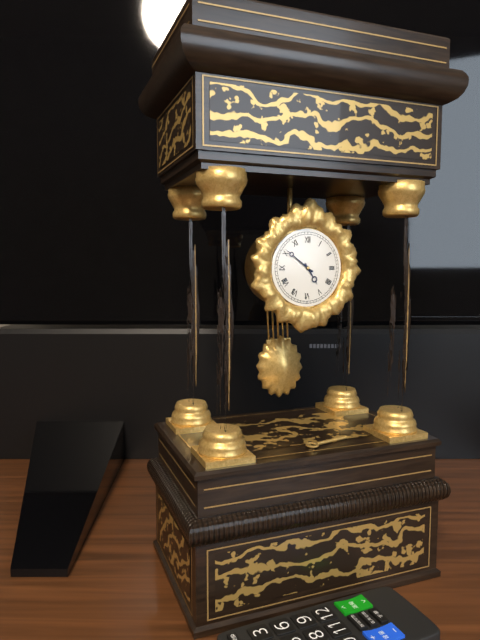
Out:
4.51
